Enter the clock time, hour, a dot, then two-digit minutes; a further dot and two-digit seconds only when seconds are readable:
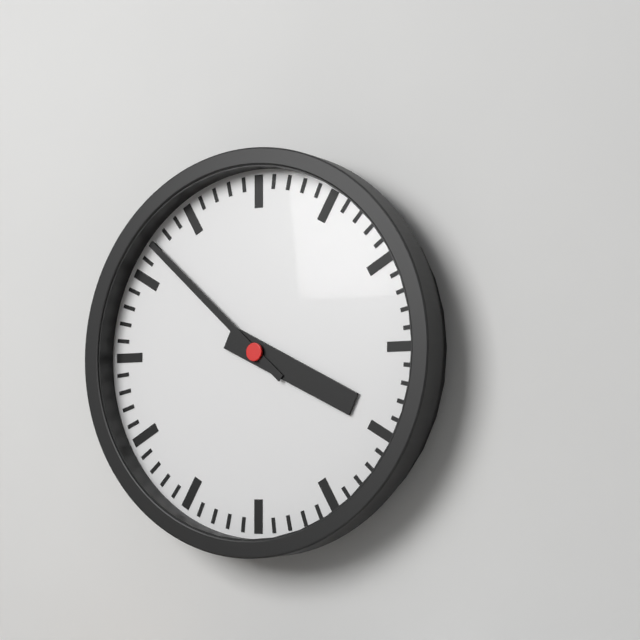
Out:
3.52
